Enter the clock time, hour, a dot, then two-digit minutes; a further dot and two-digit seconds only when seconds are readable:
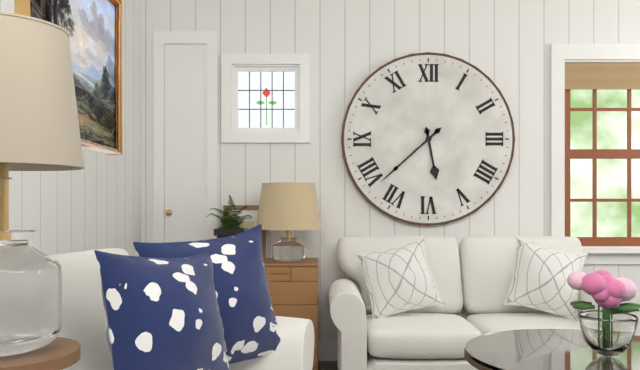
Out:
5.38
